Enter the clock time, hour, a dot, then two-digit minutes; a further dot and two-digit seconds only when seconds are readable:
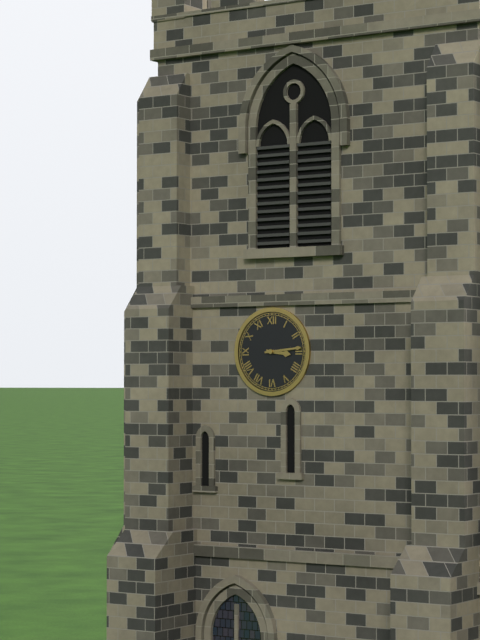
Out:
3.14
